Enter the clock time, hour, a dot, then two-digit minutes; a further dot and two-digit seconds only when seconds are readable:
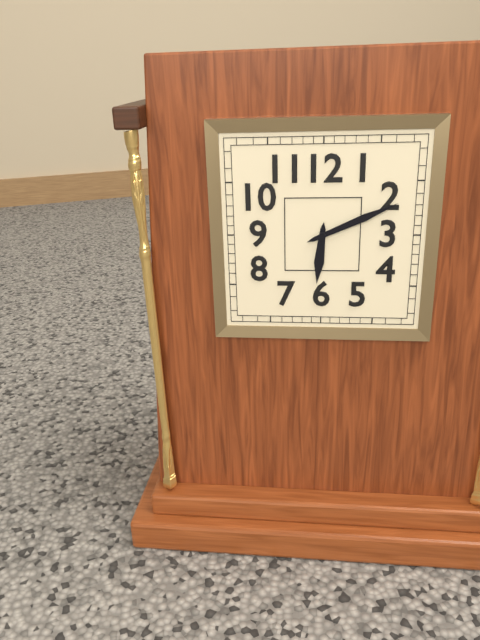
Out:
6.11
